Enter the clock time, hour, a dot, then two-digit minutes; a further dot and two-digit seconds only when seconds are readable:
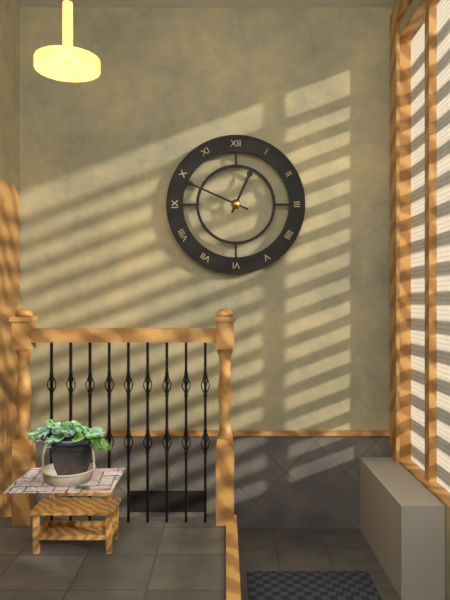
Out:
12.49
